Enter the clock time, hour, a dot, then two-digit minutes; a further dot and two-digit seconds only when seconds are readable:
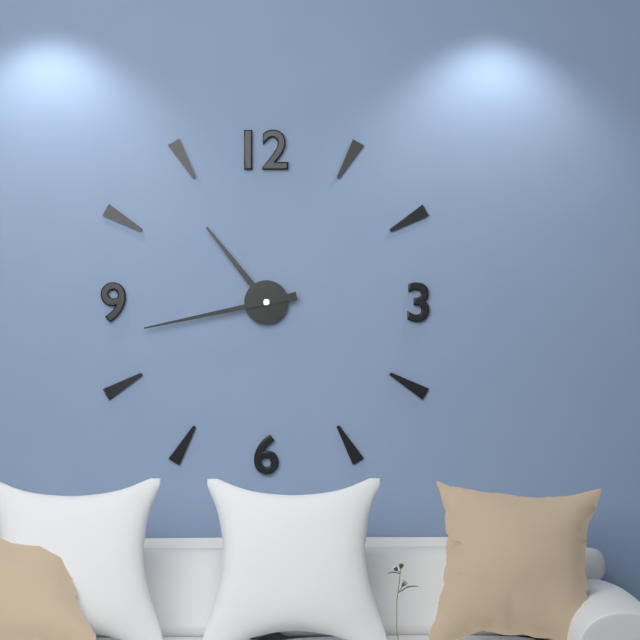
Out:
10.43
